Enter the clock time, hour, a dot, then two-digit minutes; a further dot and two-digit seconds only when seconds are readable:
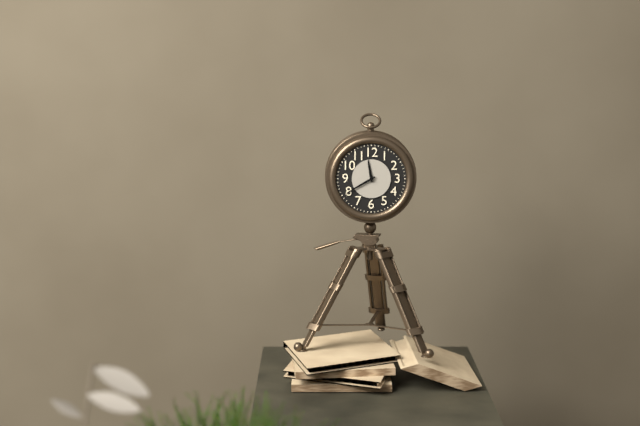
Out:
11.40
